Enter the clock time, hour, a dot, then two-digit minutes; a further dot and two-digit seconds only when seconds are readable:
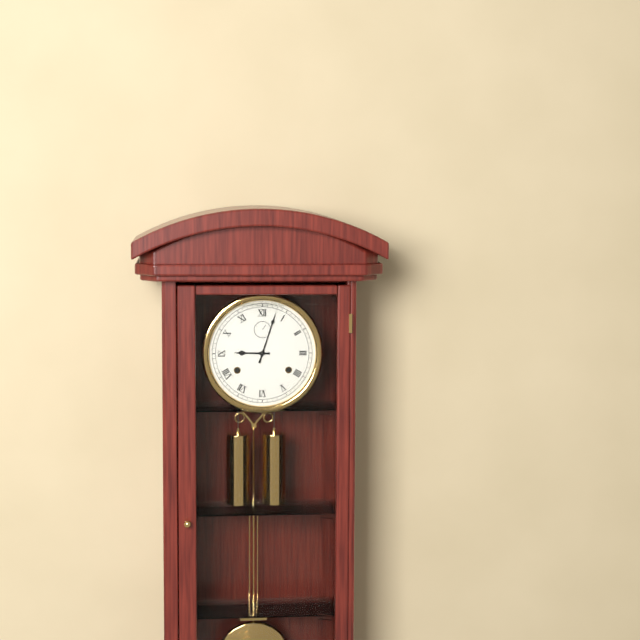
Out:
9.03
